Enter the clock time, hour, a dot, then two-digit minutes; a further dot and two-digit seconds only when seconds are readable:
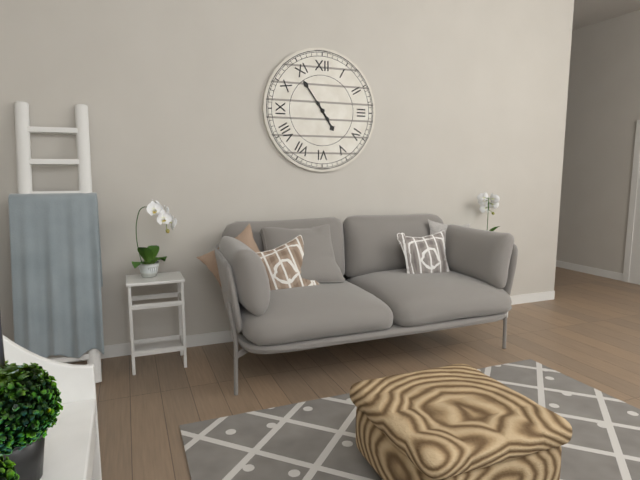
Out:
4.54
